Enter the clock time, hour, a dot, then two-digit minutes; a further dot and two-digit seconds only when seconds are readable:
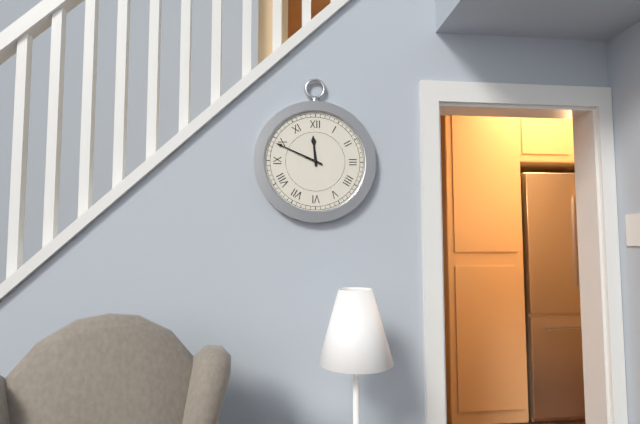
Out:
11.49
